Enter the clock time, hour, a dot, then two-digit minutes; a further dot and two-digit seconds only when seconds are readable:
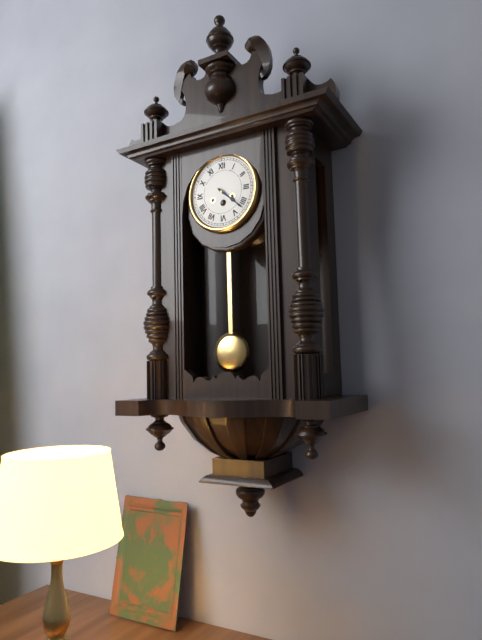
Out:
4.22
